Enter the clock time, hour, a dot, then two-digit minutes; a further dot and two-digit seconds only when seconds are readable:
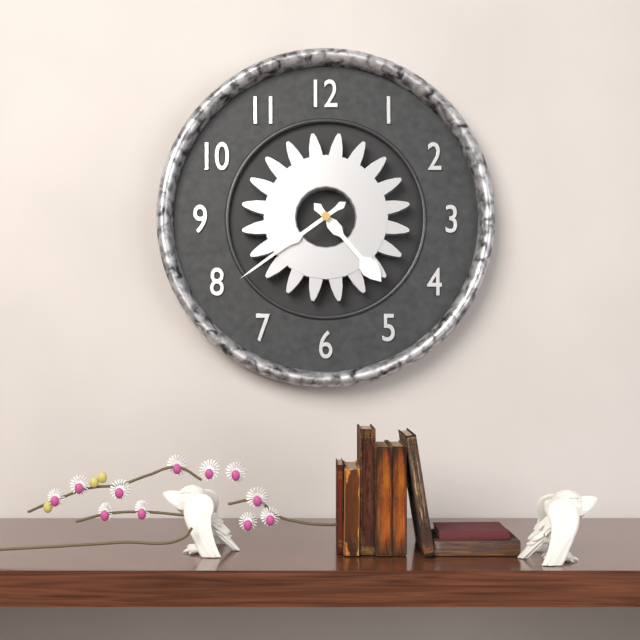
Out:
4.39
